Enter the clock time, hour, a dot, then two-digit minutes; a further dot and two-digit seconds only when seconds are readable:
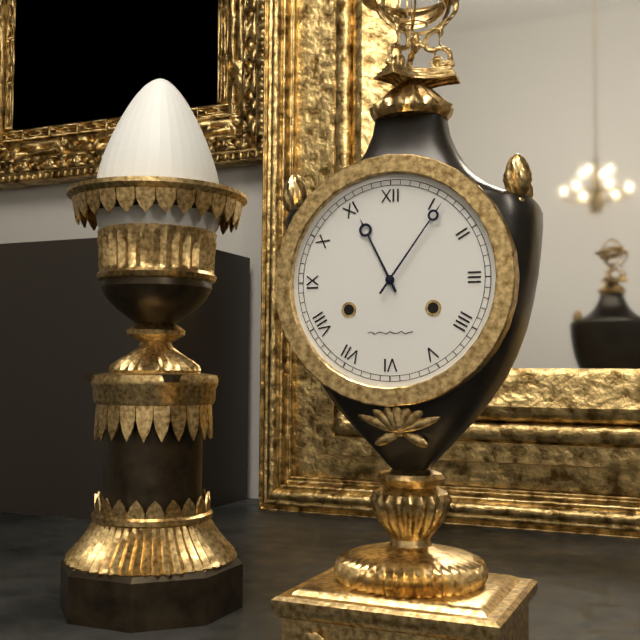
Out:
11.06
